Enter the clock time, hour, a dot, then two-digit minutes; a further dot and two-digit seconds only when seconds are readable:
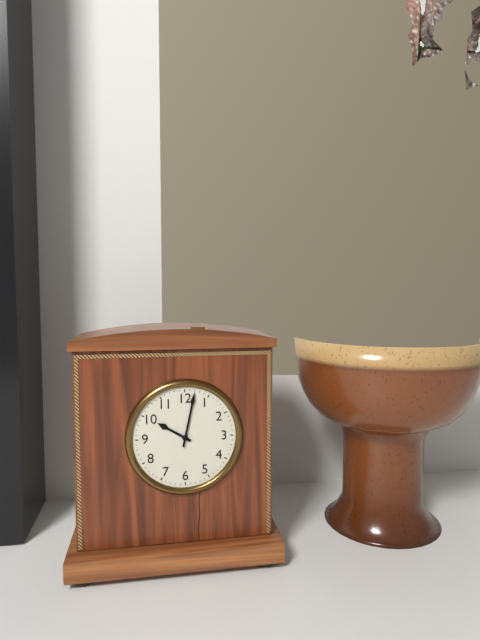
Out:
10.02
